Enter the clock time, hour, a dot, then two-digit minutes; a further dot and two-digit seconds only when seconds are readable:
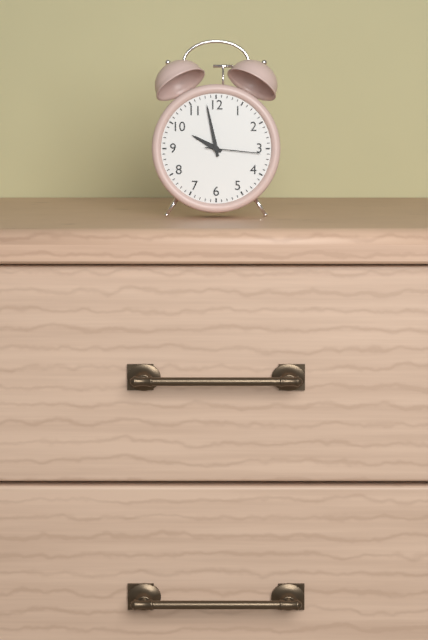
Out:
9.58.16
